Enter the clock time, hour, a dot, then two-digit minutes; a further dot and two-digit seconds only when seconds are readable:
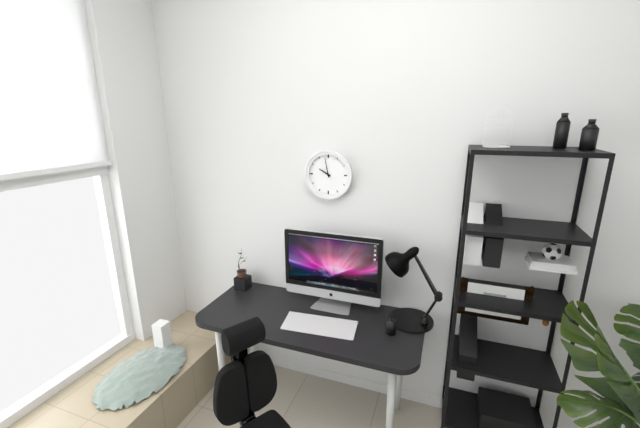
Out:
9.58
